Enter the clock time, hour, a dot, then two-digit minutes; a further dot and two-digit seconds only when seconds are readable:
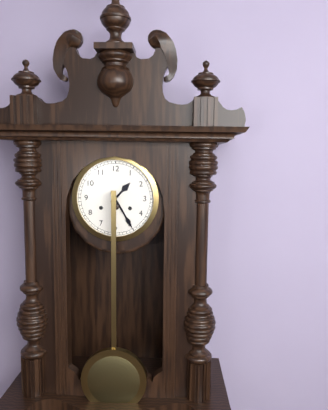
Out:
1.25
